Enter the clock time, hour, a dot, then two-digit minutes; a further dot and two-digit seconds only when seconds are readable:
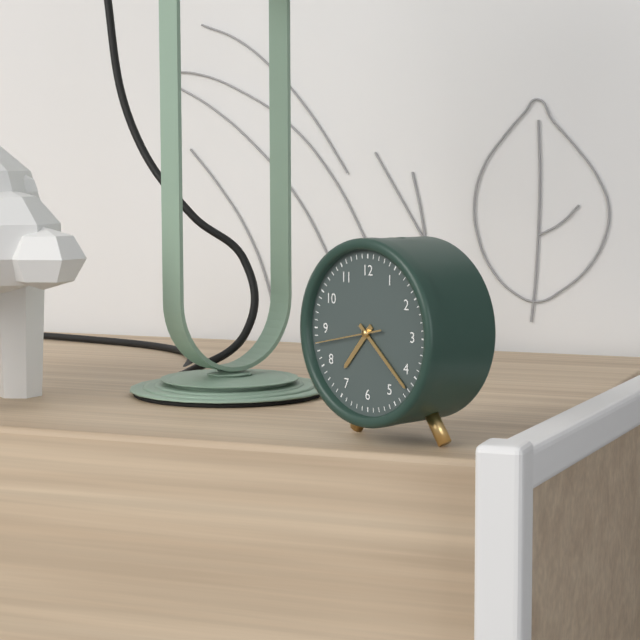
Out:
7.22.43
